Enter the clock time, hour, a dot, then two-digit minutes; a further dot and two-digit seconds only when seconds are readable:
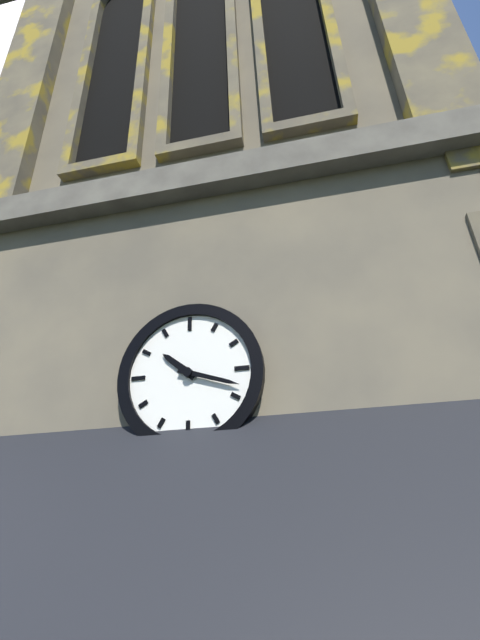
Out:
10.18
